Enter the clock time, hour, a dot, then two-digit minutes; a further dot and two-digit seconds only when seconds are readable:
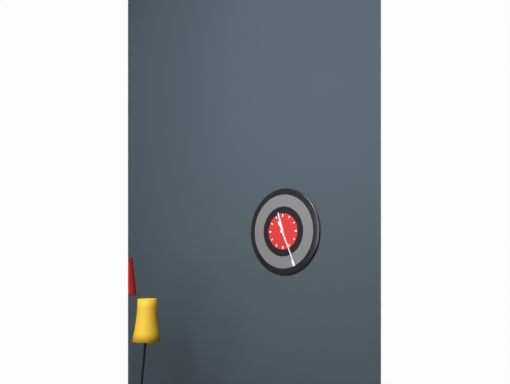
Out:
11.26
